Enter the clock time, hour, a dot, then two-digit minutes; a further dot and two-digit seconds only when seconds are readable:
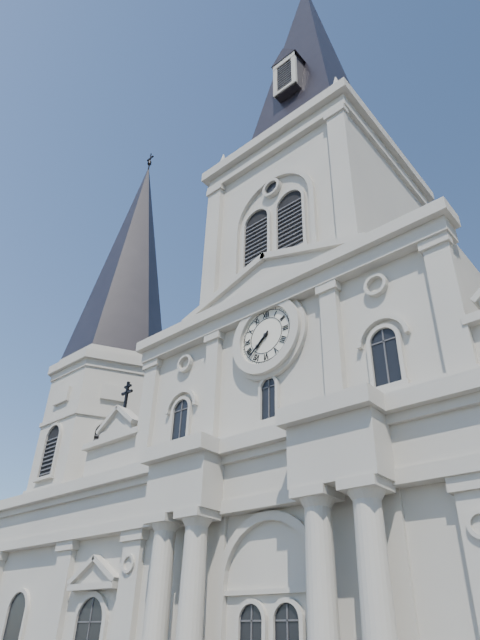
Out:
7.38
